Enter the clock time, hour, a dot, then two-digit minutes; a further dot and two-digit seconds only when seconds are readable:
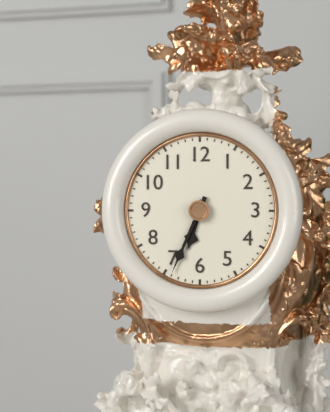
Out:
6.34
